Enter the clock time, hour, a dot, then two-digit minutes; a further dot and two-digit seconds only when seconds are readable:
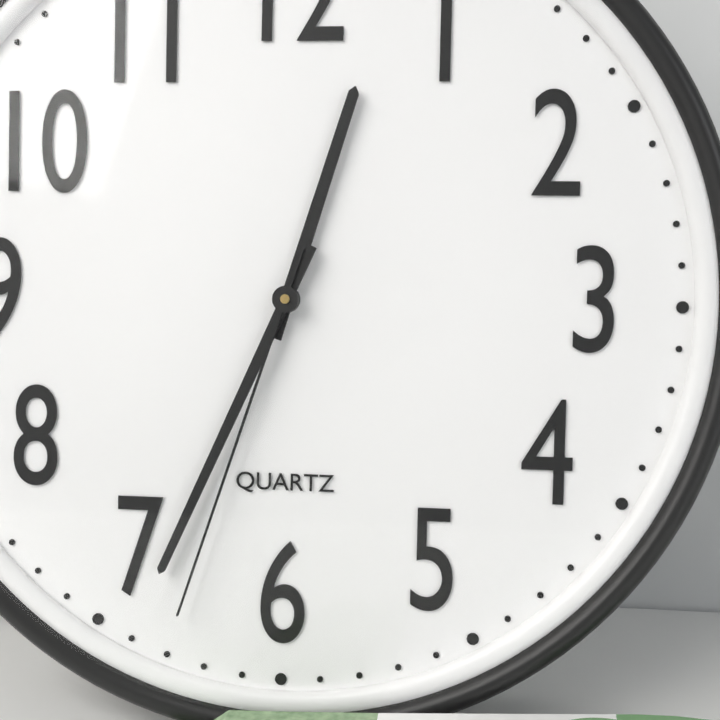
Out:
12.34.33
